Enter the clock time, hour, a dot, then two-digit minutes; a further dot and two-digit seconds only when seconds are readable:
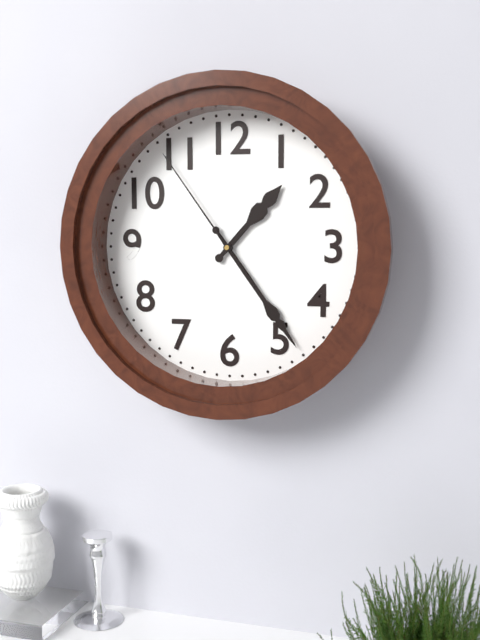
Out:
1.24.54
